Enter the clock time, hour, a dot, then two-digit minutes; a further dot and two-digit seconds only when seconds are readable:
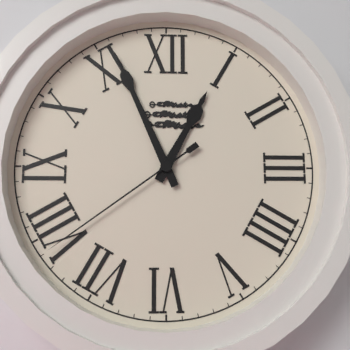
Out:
12.56.39
